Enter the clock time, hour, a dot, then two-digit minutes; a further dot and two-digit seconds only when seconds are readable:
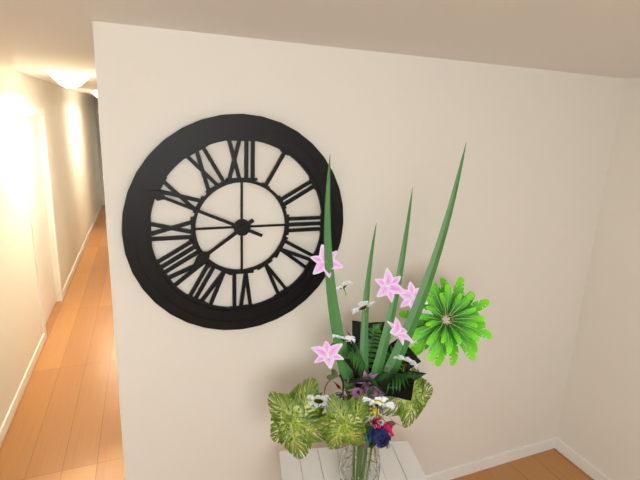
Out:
7.49
